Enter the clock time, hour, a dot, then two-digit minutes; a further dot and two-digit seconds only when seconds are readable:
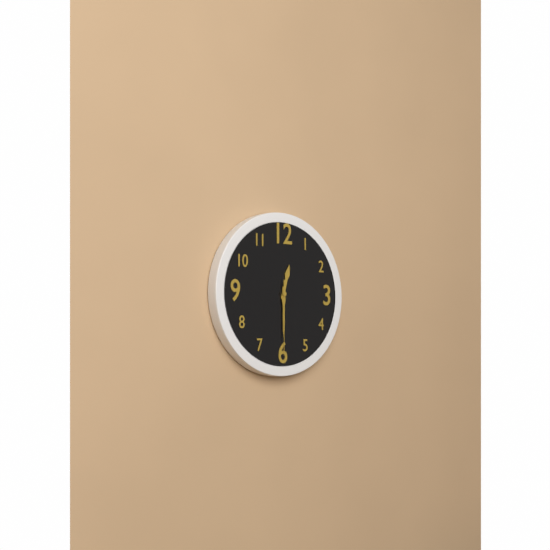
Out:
12.30.30
